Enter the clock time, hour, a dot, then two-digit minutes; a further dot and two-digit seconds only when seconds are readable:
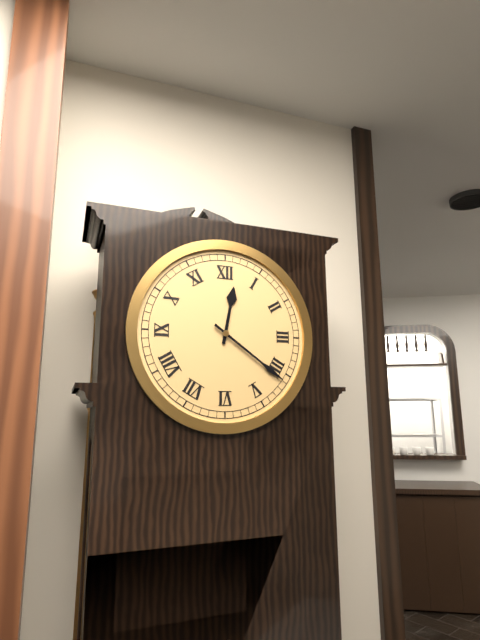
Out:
12.21
